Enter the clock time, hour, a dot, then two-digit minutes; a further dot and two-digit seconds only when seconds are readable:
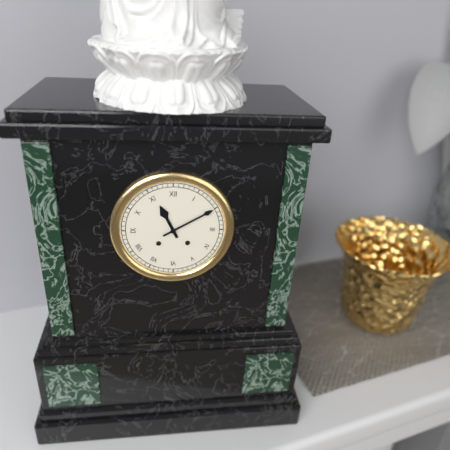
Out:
11.10
